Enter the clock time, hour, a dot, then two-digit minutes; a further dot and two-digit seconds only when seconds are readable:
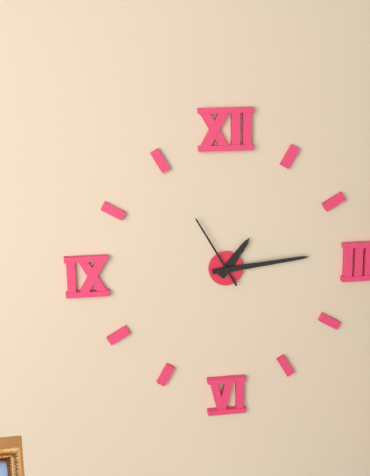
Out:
1.14.55
